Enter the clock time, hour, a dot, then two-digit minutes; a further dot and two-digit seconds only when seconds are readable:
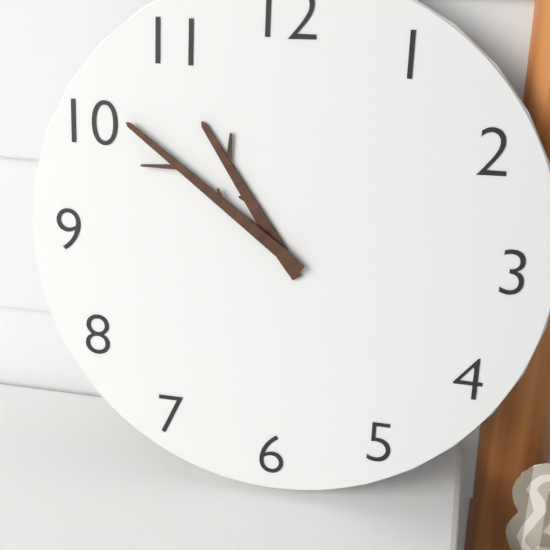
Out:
10.51
